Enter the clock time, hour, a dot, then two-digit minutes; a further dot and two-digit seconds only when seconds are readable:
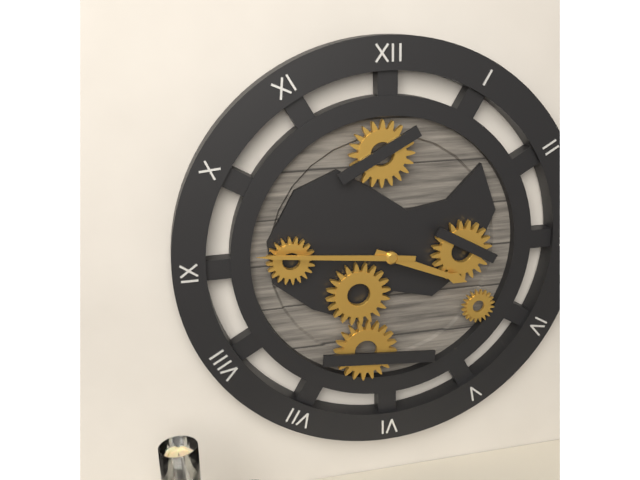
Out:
3.46
